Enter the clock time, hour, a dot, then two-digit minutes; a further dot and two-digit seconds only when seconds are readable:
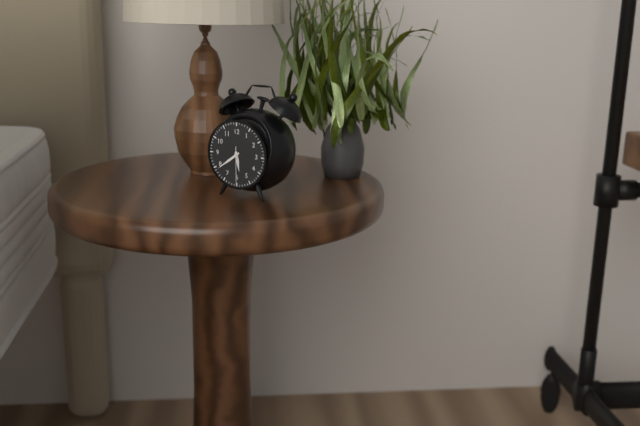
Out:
5.39
